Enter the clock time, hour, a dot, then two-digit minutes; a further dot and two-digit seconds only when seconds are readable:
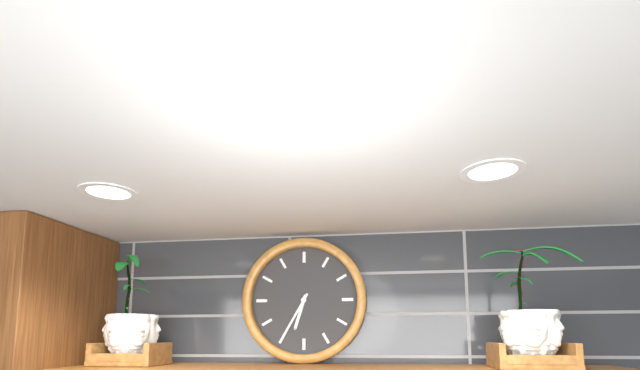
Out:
6.35
